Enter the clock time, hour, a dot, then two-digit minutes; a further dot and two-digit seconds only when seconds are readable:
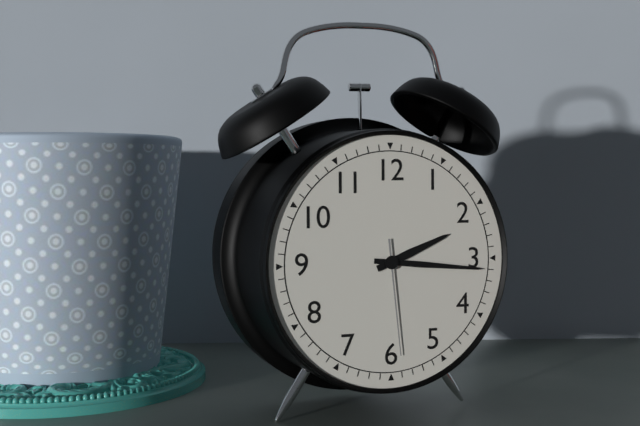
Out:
2.16.29
